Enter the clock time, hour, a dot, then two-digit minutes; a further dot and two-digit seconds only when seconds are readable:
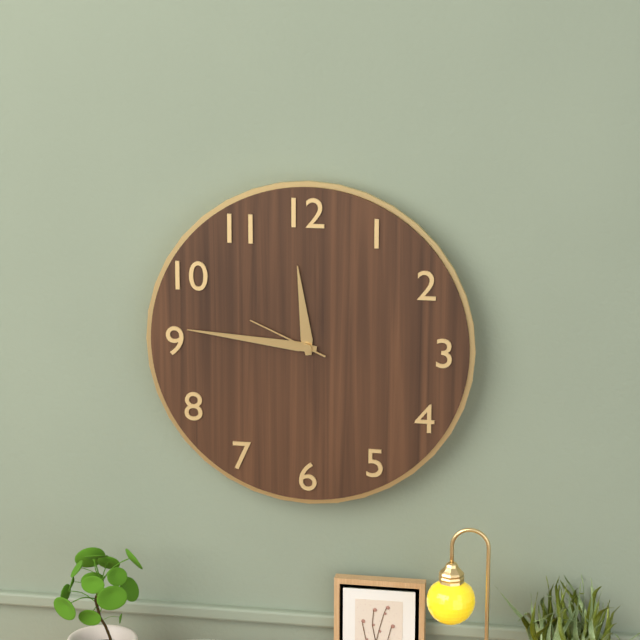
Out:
11.46.49
